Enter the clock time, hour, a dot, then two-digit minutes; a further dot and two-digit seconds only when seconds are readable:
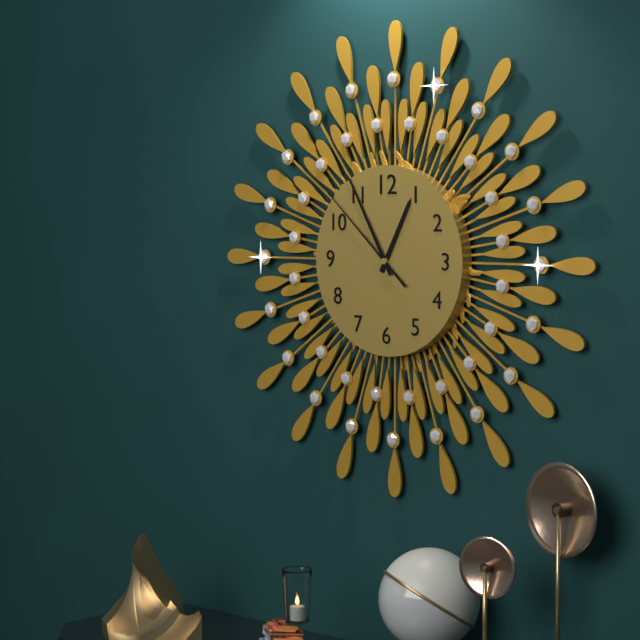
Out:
12.55.52
